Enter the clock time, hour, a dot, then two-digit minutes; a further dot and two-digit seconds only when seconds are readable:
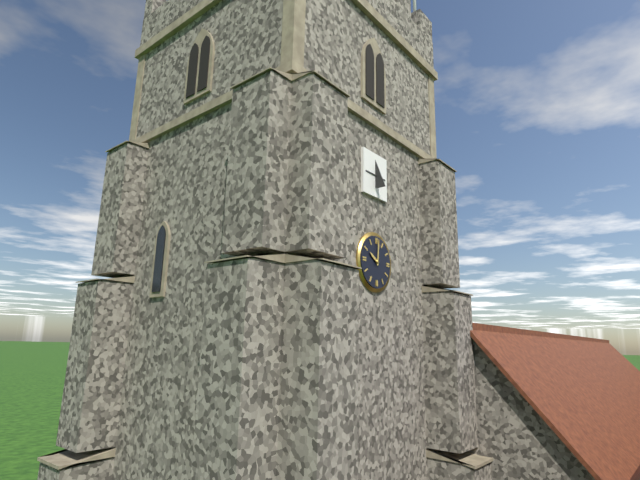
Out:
10.01
